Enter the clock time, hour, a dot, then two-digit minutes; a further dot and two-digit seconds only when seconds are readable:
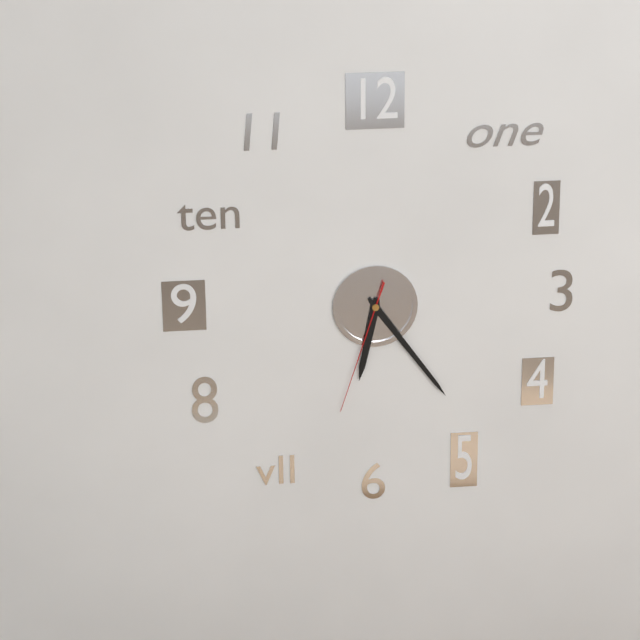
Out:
6.24.33
